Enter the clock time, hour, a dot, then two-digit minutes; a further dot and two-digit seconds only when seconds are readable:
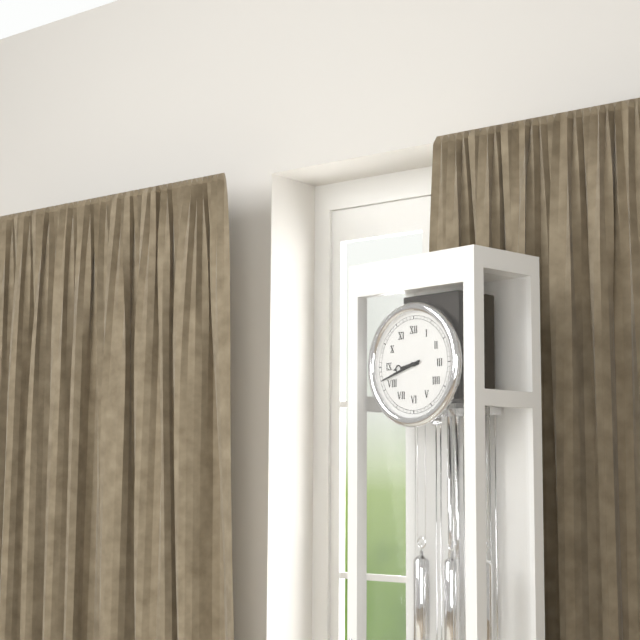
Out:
8.42
